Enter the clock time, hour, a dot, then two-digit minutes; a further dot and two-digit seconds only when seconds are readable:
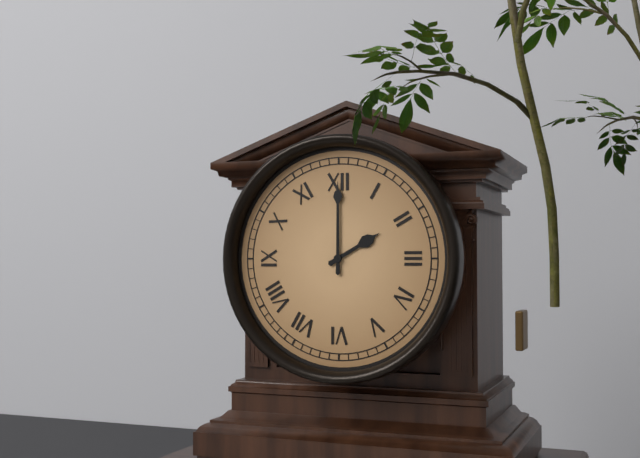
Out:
2.00
